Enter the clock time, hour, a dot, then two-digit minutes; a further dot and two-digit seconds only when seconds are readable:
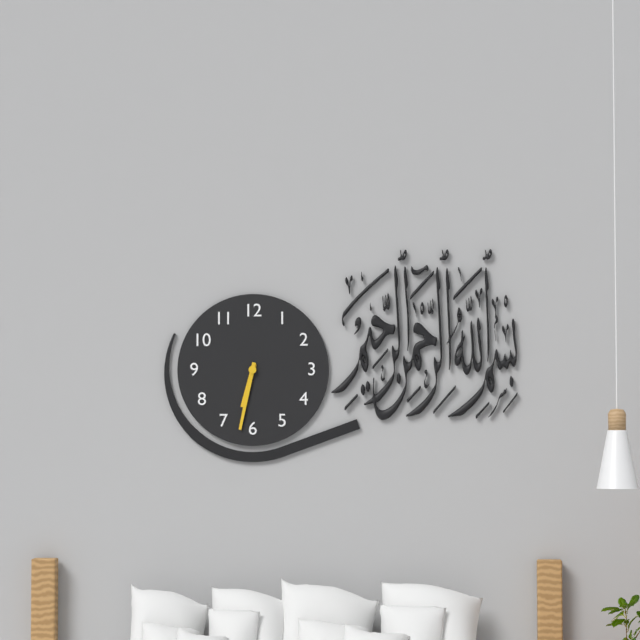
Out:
6.32
